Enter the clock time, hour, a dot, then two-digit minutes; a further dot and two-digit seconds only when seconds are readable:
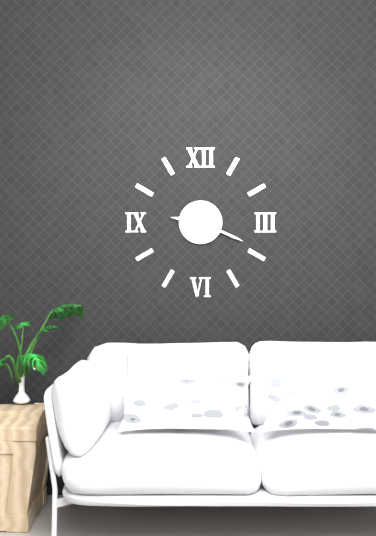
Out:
9.19
